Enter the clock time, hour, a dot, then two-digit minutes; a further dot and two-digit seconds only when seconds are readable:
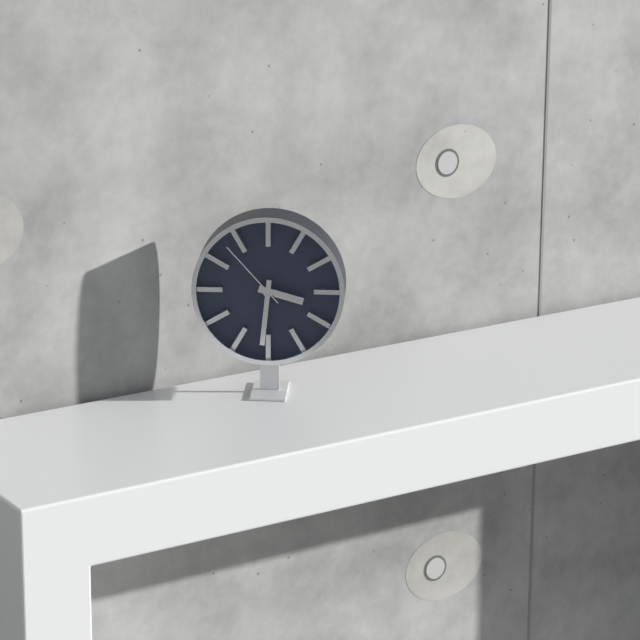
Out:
3.31.53
